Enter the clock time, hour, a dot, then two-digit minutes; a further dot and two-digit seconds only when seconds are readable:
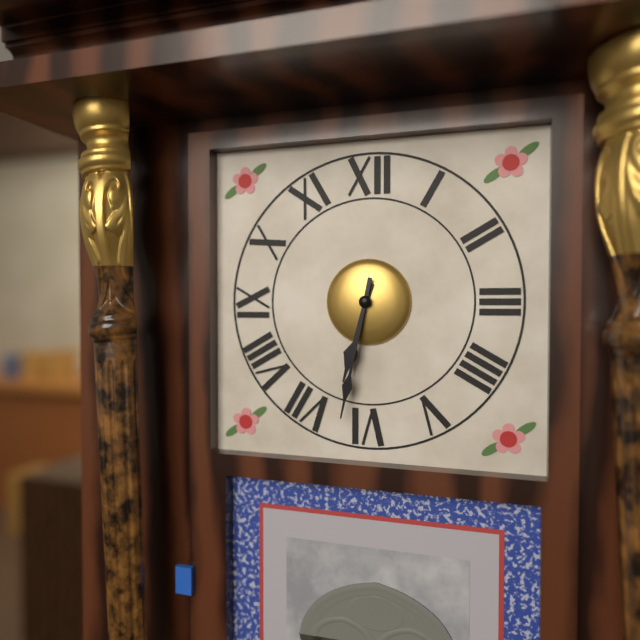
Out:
6.32
